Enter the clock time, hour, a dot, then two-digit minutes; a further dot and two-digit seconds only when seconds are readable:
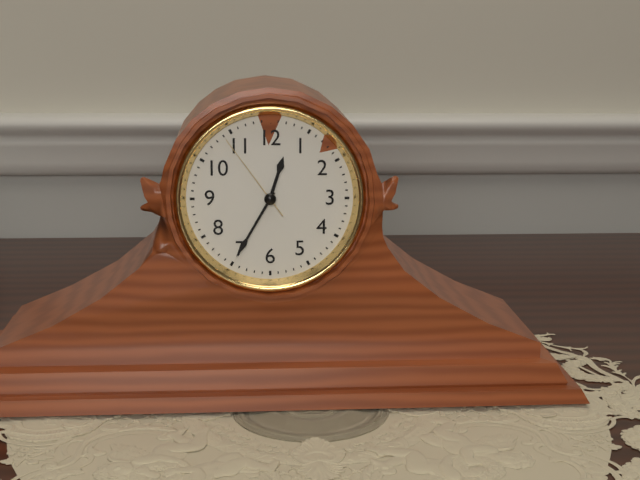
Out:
12.35.54
